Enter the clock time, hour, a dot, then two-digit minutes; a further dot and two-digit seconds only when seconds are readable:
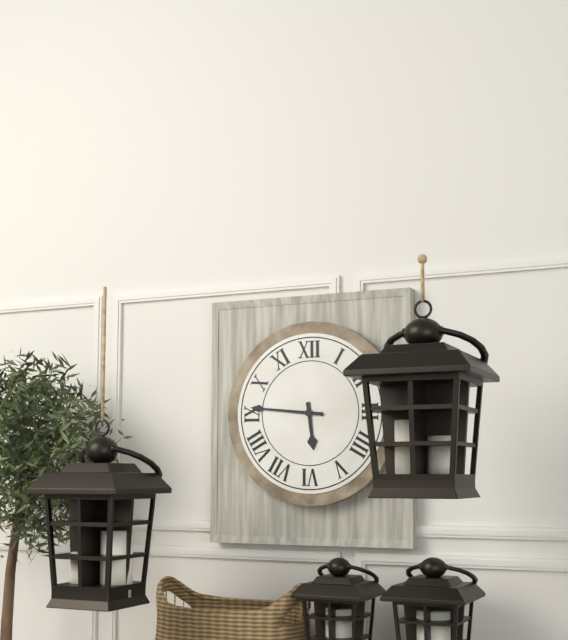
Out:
5.46
